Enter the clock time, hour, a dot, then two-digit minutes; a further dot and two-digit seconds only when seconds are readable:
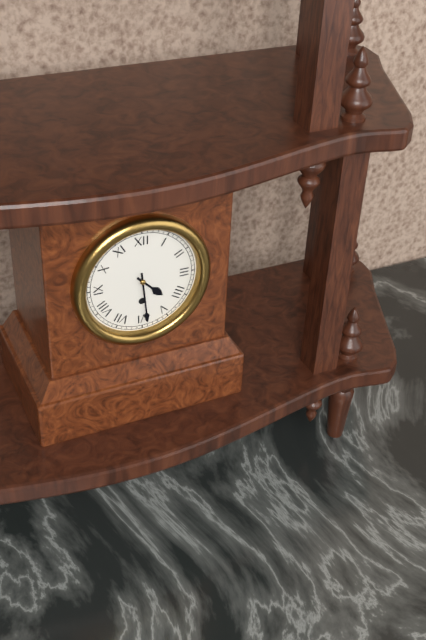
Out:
4.29
